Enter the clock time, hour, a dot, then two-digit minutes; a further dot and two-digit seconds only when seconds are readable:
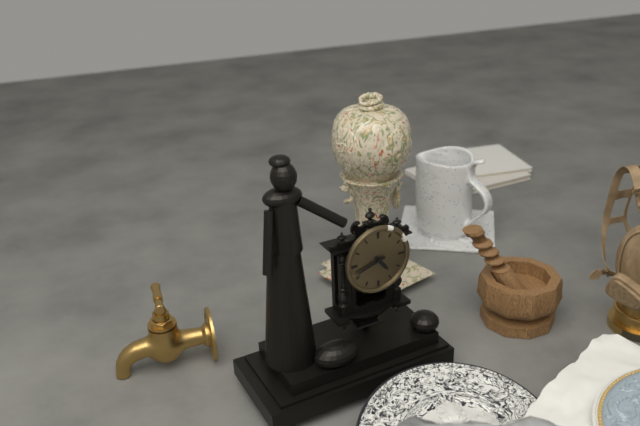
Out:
4.42
